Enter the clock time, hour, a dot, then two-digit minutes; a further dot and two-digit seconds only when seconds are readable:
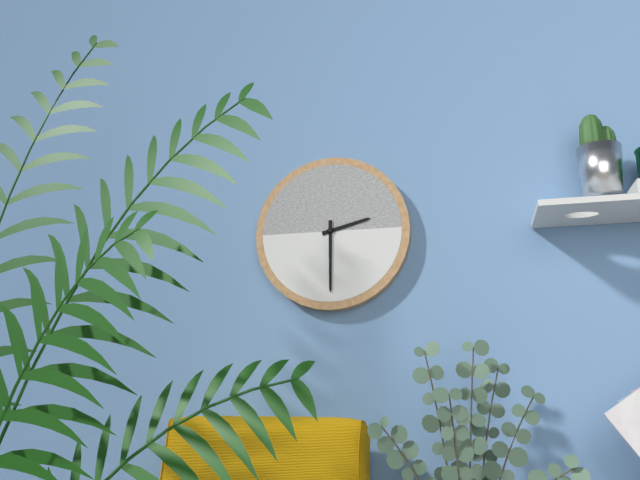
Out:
2.30
